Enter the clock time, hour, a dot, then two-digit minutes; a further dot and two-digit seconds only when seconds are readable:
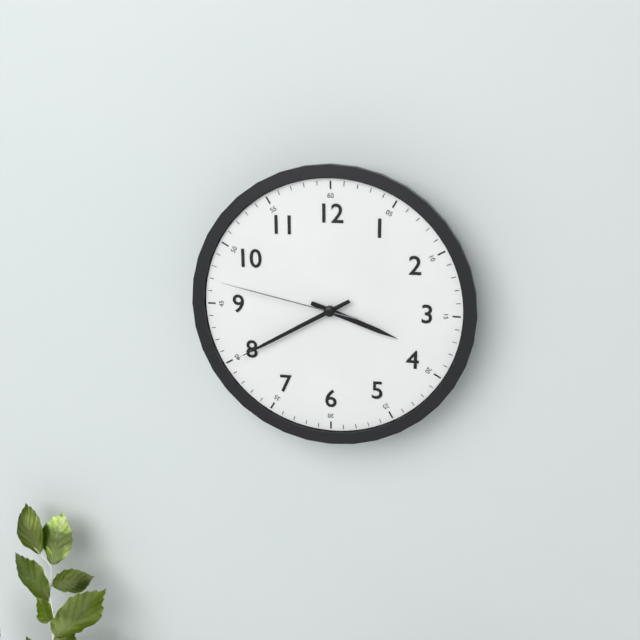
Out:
3.40.47
